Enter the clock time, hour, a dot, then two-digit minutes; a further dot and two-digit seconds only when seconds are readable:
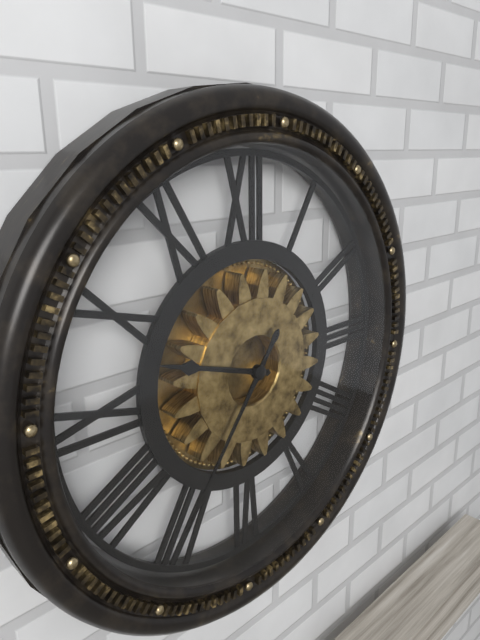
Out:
9.36
